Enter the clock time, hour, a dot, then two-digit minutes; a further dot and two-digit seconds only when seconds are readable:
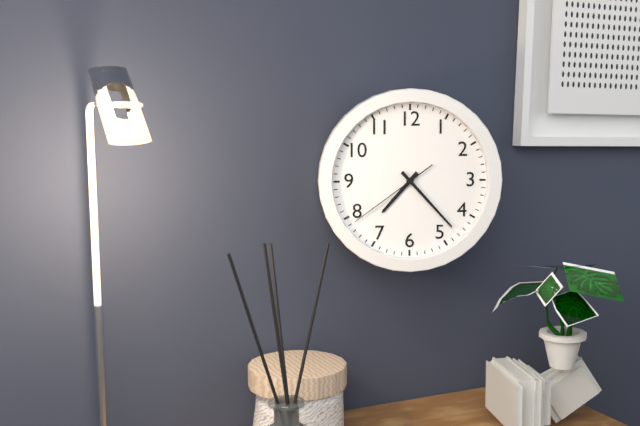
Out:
7.23.39
